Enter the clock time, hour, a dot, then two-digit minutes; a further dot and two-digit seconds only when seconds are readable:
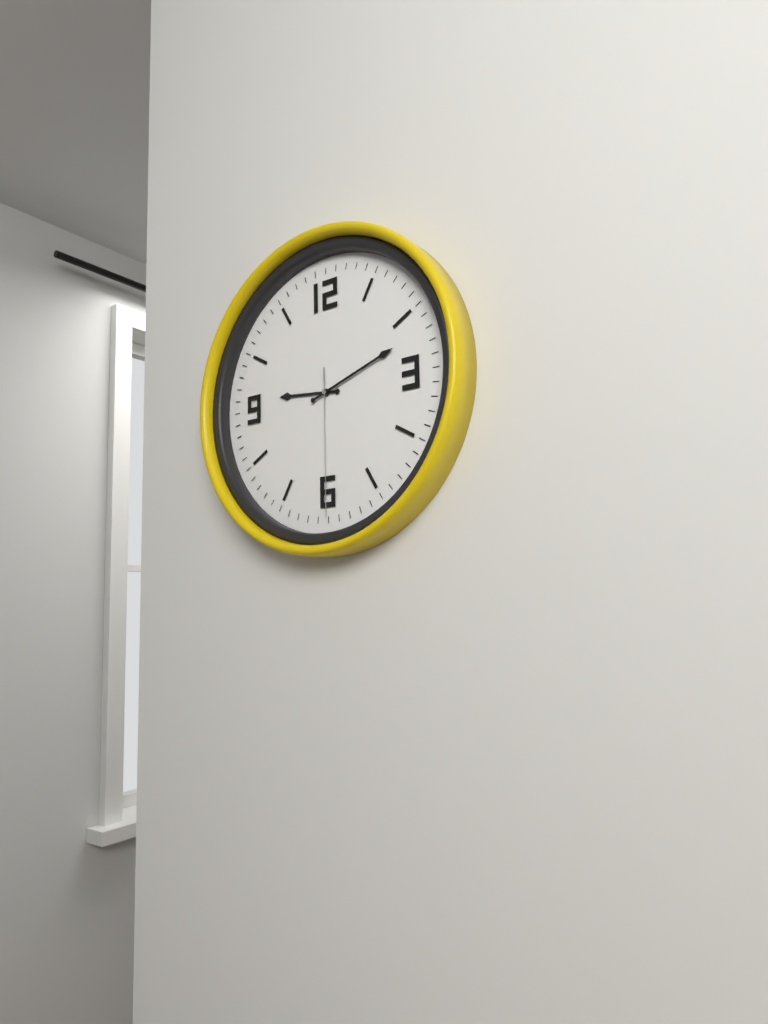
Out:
9.12.30
